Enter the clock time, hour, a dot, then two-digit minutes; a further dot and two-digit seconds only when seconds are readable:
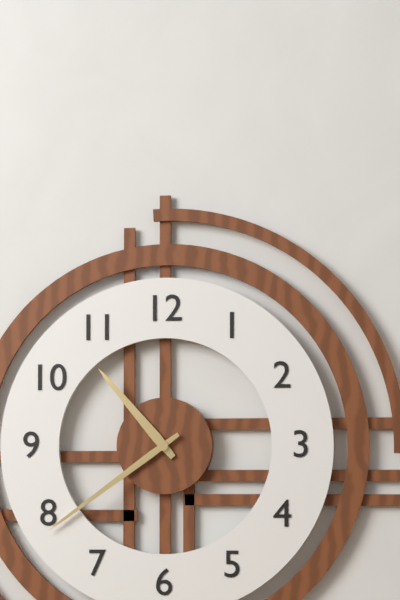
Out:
10.39
